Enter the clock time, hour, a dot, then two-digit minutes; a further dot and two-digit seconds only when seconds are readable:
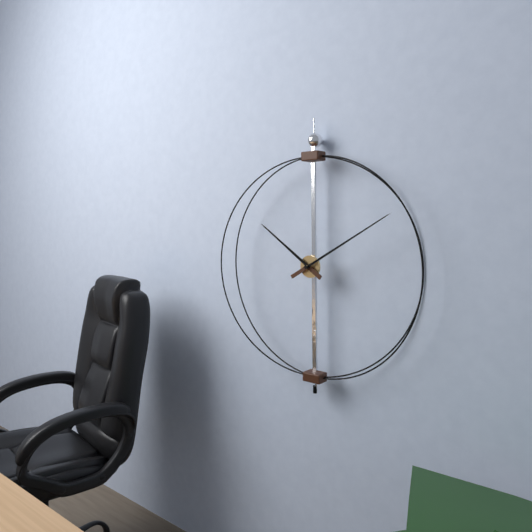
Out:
10.10
